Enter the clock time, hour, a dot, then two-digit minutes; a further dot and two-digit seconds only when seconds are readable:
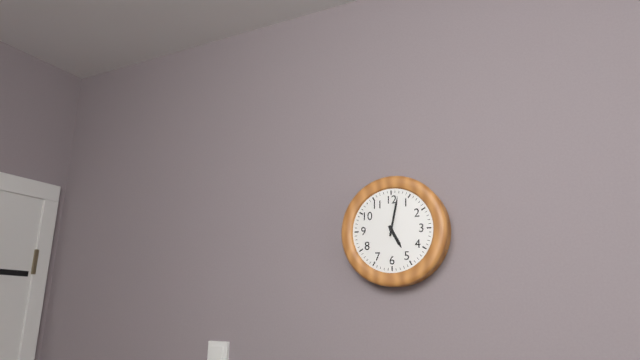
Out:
5.02
